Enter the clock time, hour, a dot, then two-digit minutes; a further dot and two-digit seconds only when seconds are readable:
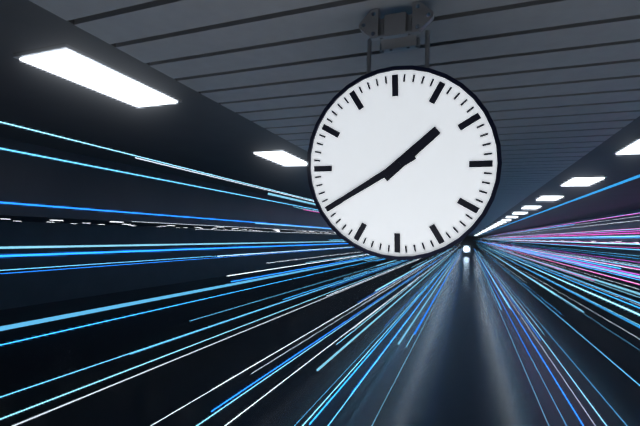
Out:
1.40
